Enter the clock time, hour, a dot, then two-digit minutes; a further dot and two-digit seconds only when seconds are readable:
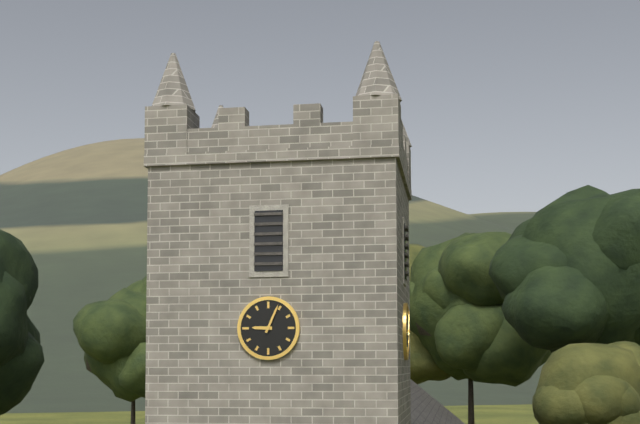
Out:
9.04
